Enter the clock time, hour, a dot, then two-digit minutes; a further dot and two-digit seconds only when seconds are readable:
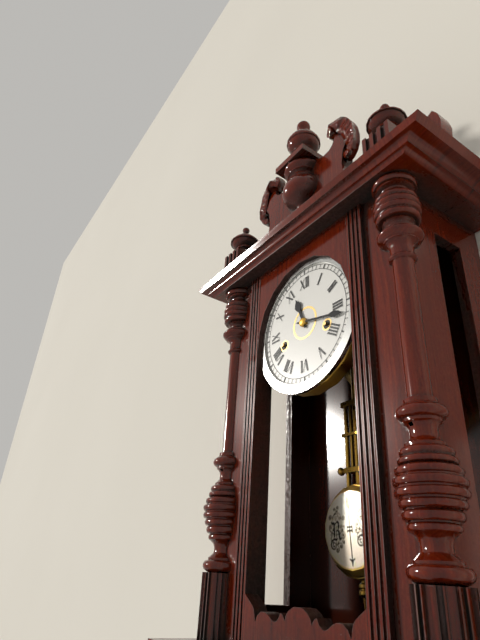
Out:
11.17
